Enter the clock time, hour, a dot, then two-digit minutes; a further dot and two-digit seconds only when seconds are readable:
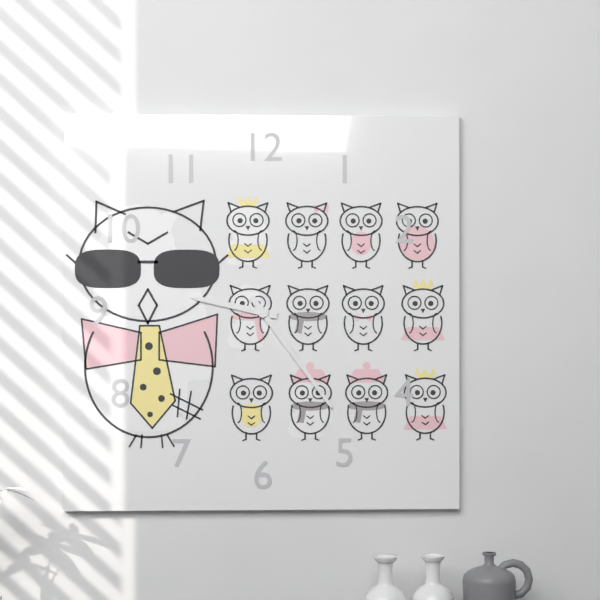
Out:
9.24
